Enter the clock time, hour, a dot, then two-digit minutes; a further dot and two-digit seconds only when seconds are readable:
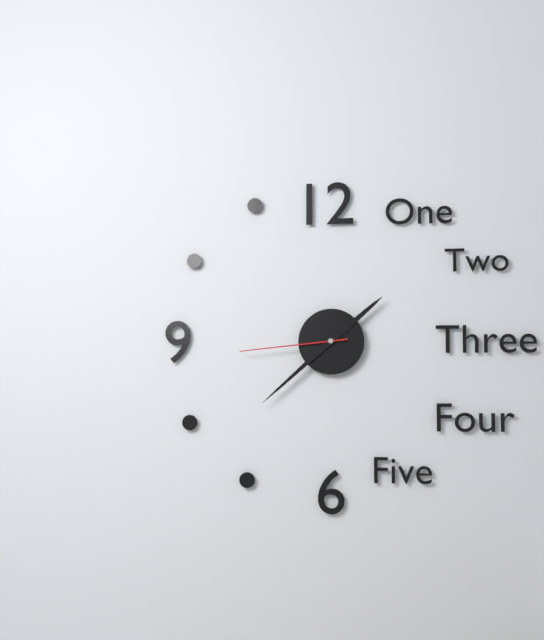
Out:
1.38.44
